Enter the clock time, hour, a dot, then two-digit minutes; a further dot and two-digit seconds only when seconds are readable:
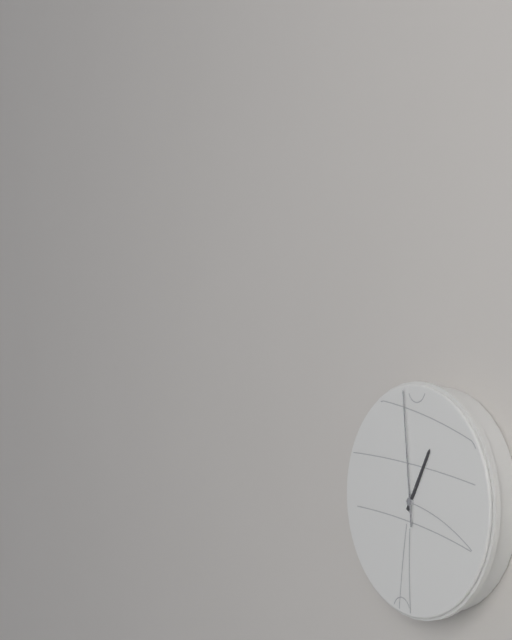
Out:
12.59
